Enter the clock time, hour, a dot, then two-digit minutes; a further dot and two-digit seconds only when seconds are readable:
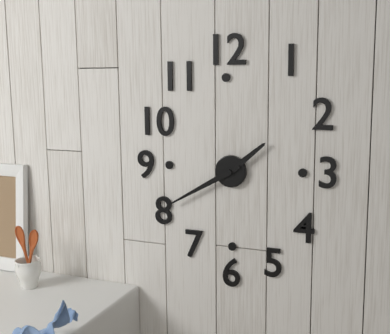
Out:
1.40
